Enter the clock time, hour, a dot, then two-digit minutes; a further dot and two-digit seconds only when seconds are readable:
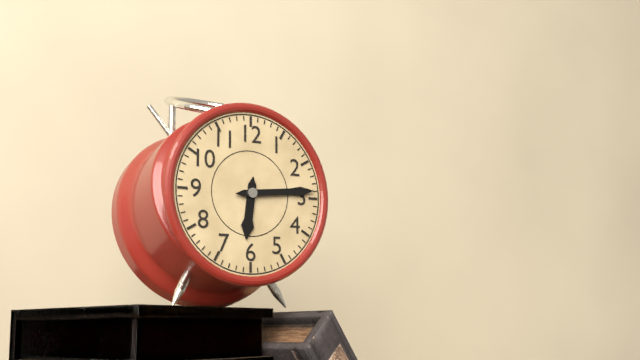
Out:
6.14
